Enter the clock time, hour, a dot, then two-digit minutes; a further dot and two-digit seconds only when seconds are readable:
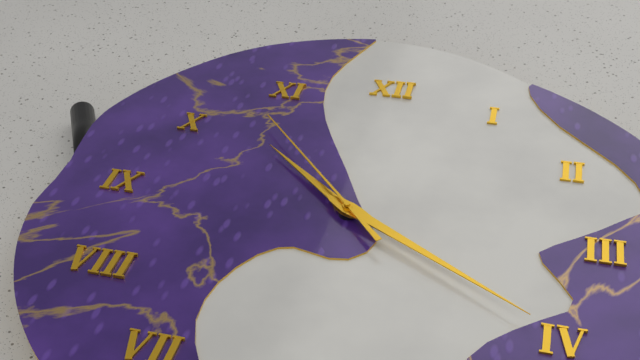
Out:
10.20.53
